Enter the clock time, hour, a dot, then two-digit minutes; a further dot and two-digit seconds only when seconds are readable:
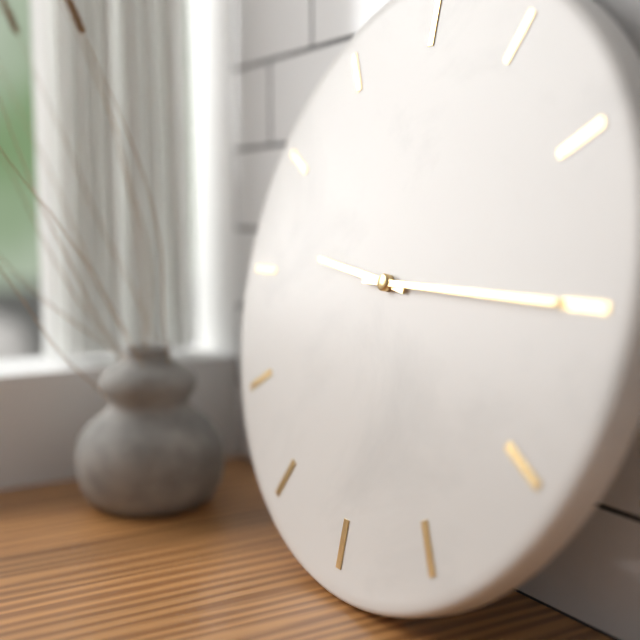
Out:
9.15
